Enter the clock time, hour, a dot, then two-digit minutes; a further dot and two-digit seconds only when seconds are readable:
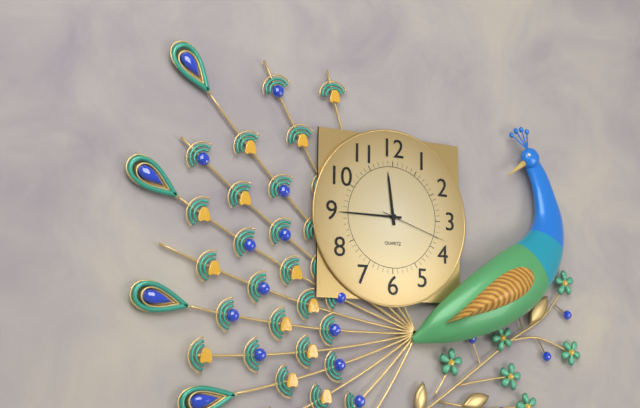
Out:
11.45.18
